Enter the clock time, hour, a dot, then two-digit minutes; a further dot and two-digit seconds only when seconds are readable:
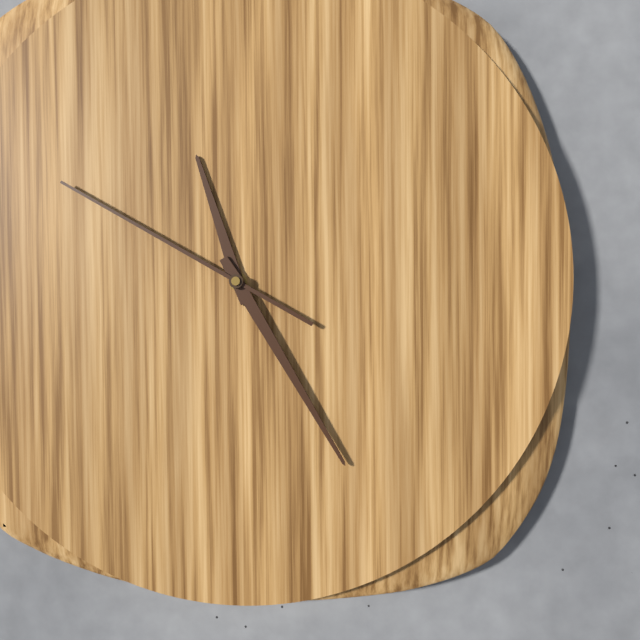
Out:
11.25.50
